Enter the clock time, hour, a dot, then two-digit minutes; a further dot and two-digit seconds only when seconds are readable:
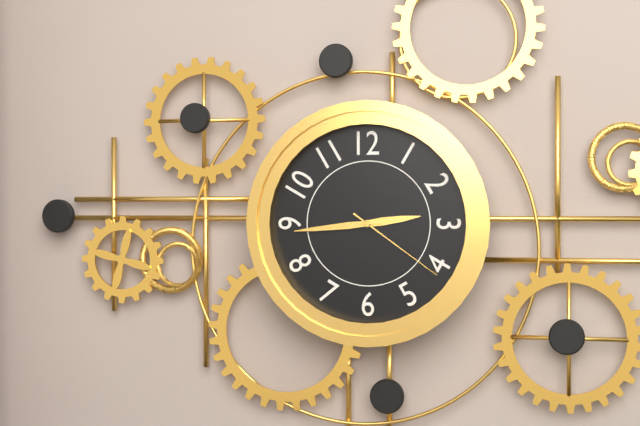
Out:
2.44.21
